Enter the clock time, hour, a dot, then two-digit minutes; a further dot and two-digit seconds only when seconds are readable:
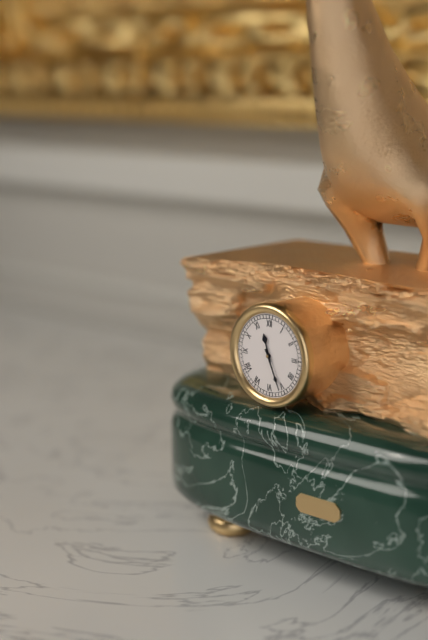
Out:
11.26
